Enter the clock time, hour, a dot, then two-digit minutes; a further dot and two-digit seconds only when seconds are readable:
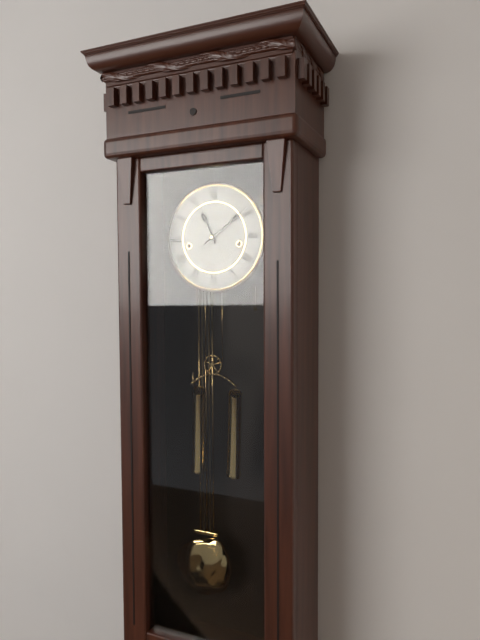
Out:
11.09
